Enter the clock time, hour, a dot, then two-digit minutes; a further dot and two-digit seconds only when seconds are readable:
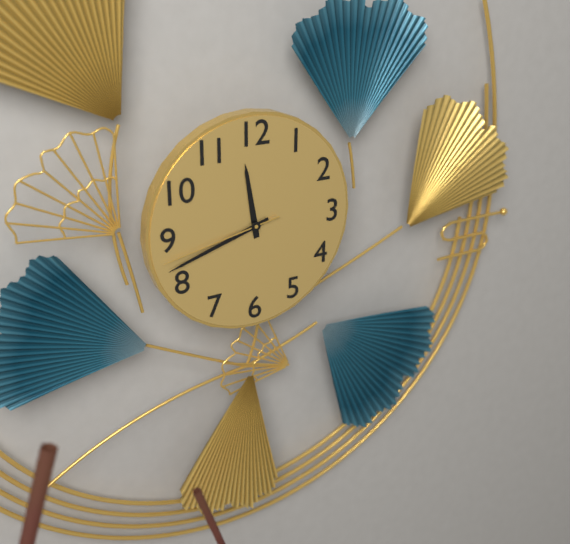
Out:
11.42.43
